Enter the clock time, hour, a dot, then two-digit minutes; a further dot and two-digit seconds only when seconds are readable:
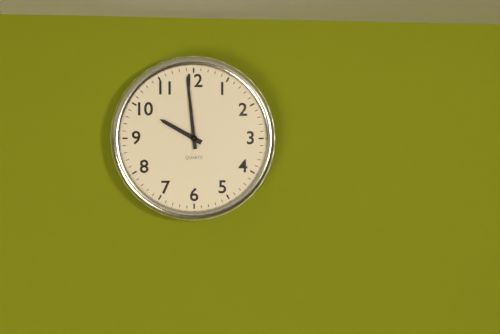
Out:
9.59
